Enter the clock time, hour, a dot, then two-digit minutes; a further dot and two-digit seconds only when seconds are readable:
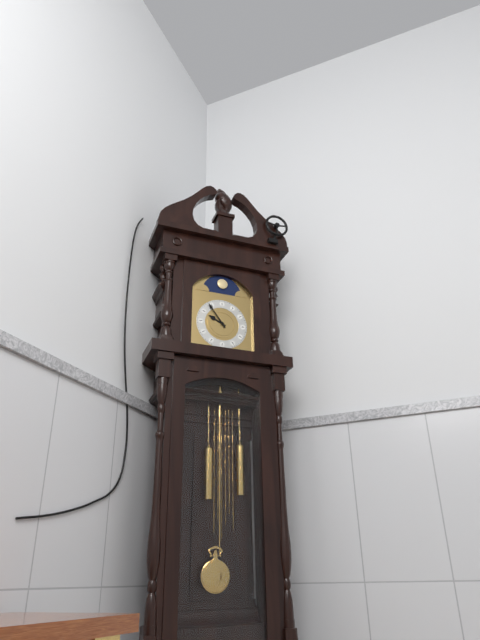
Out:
9.54
